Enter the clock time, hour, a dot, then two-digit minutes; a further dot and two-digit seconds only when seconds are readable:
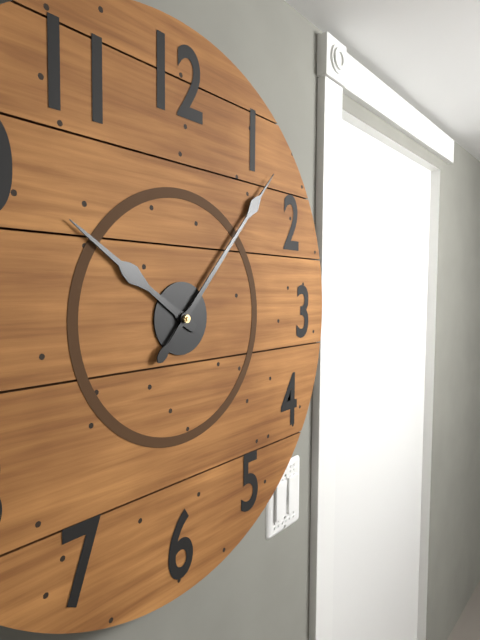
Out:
10.07
